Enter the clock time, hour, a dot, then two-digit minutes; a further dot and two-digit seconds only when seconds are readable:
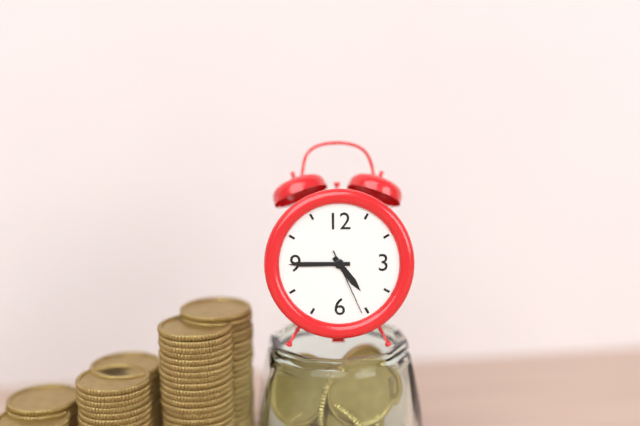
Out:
4.45.26
